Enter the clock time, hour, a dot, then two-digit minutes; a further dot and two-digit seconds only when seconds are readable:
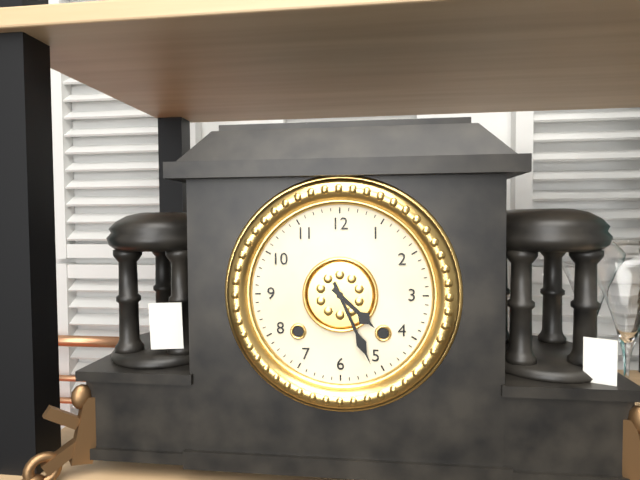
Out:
4.26
